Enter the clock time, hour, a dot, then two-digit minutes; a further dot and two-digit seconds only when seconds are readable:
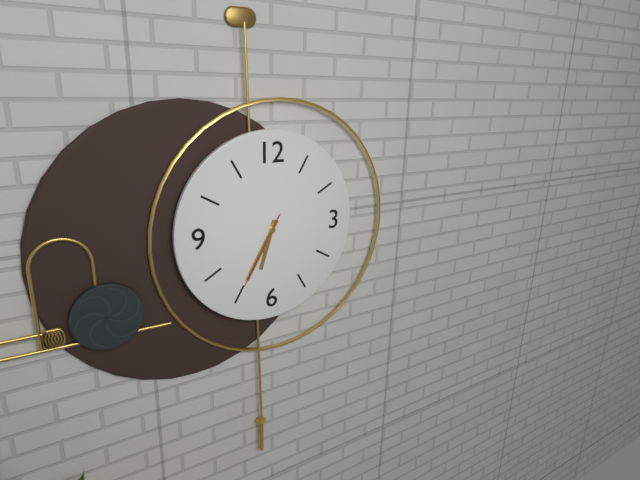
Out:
6.35.35
